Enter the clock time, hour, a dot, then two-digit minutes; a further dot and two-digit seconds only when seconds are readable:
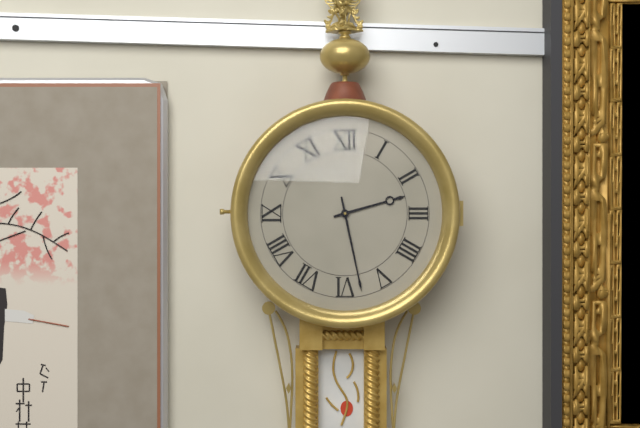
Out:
2.28
